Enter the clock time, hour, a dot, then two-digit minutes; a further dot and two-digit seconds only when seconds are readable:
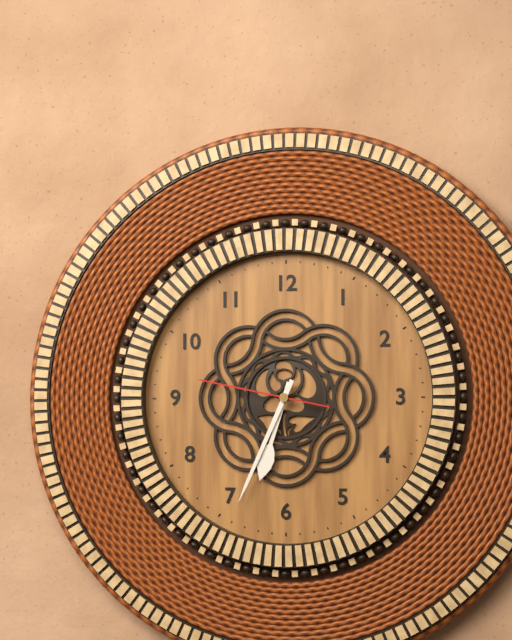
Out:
6.34.47
